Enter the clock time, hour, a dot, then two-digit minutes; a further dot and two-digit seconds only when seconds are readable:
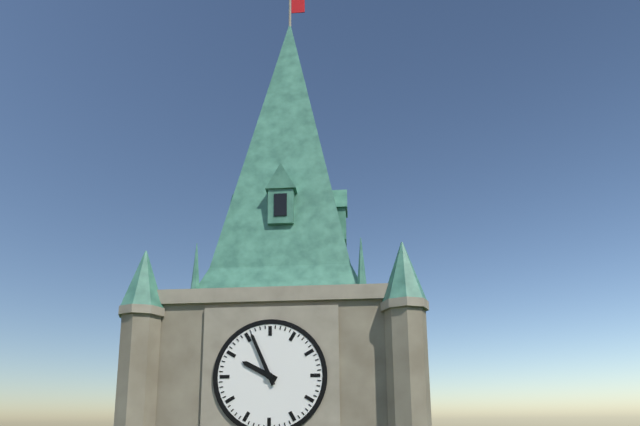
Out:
9.56
